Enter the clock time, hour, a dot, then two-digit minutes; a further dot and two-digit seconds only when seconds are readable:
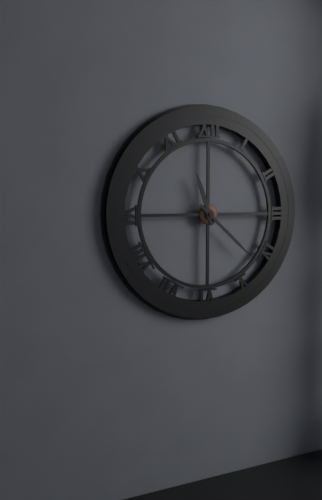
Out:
11.22
